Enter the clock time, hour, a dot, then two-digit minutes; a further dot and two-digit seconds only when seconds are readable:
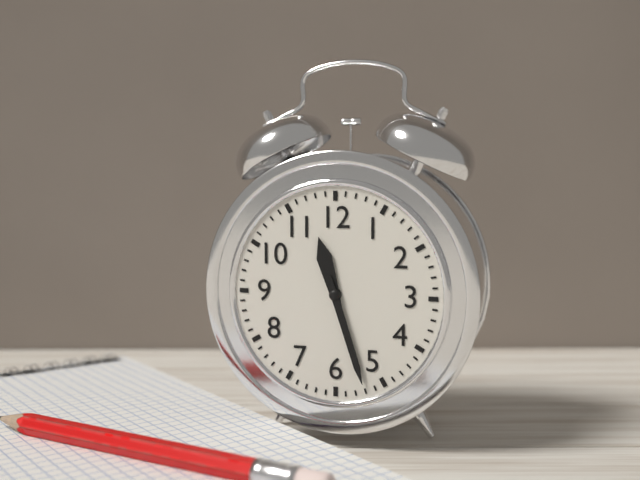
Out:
11.27
